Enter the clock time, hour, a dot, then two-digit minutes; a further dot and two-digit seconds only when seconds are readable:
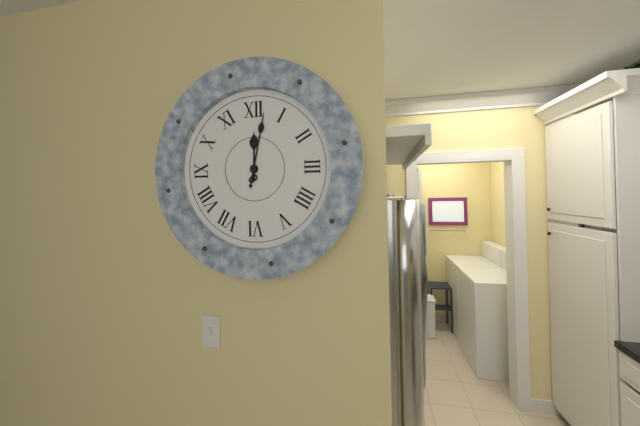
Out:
12.02
